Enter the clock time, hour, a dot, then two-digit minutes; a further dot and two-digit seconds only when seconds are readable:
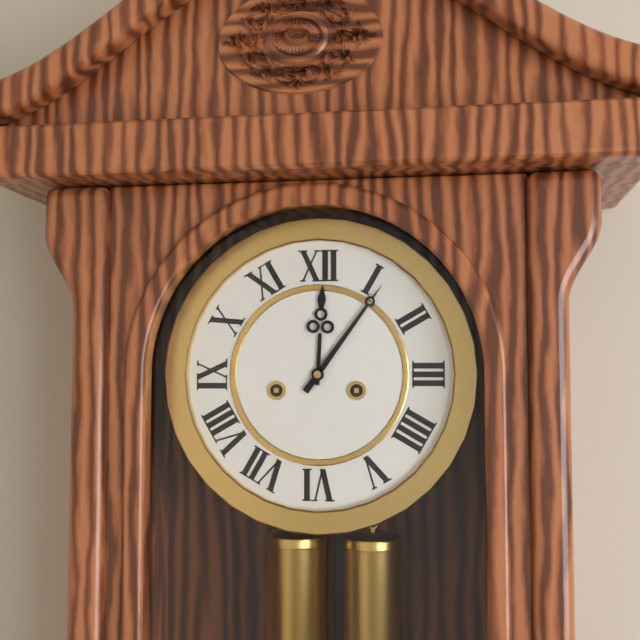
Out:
12.06
